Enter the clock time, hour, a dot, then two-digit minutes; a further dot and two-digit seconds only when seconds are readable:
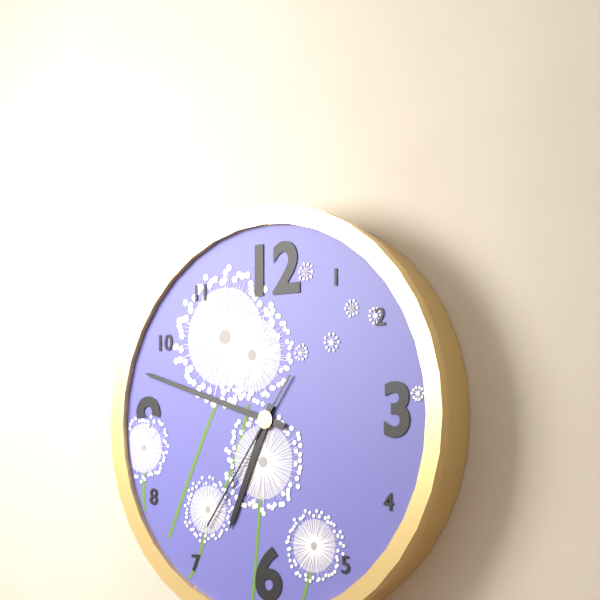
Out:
6.48.36
